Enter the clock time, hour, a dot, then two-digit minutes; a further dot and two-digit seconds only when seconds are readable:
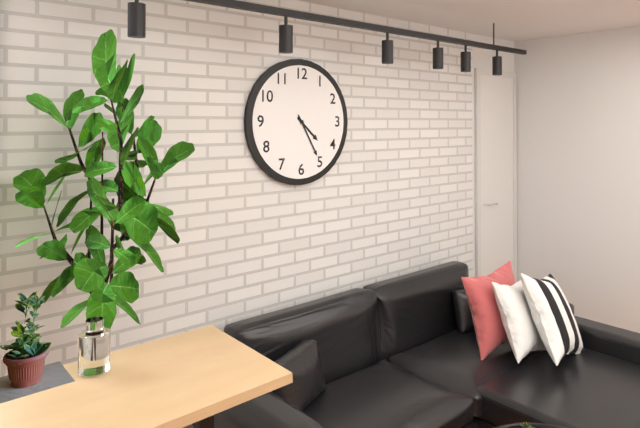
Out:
4.25
